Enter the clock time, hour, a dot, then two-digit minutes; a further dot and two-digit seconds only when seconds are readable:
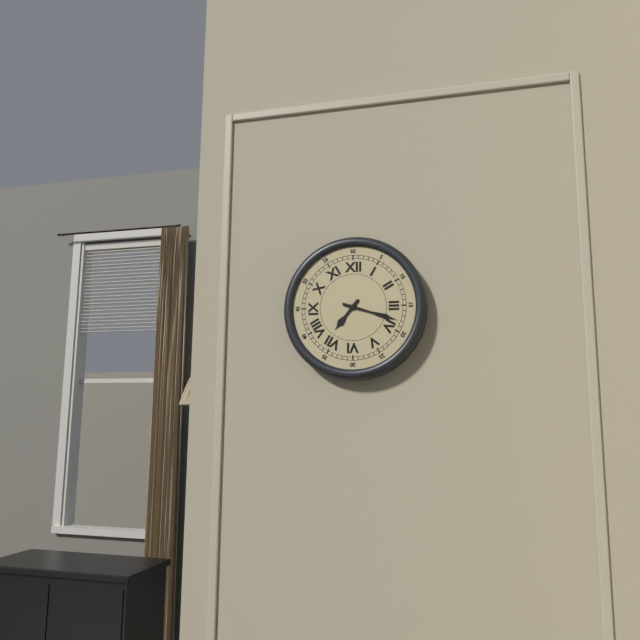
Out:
7.18
